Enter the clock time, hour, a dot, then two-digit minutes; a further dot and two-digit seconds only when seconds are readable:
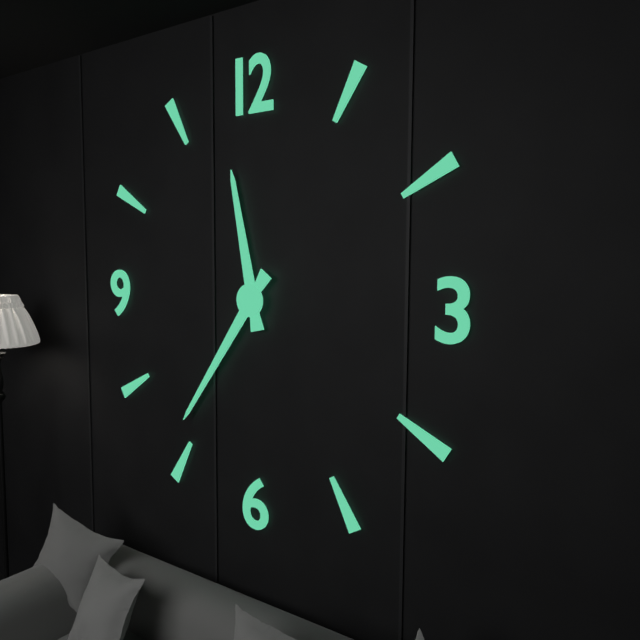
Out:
11.36
